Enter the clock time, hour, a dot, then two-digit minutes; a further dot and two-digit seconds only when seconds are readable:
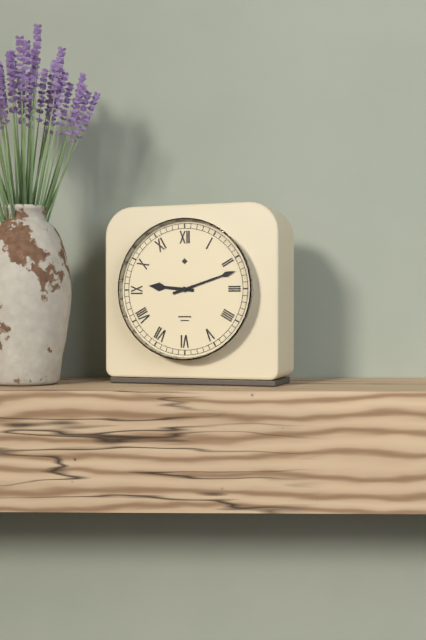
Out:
9.12
